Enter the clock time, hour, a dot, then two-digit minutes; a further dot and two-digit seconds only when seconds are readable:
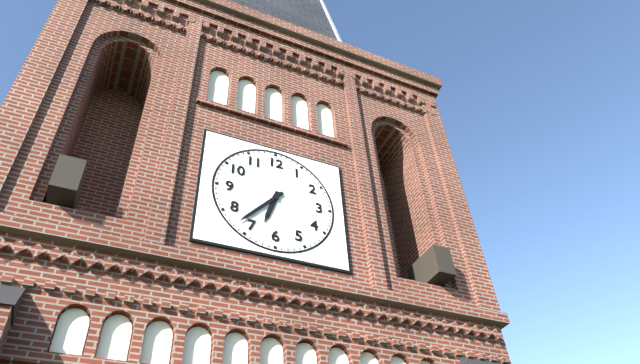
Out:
6.37
